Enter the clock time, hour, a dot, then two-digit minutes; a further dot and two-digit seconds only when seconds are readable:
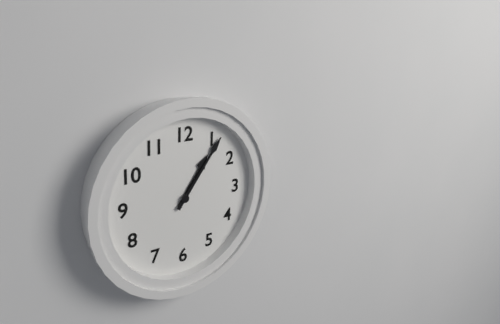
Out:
1.06
